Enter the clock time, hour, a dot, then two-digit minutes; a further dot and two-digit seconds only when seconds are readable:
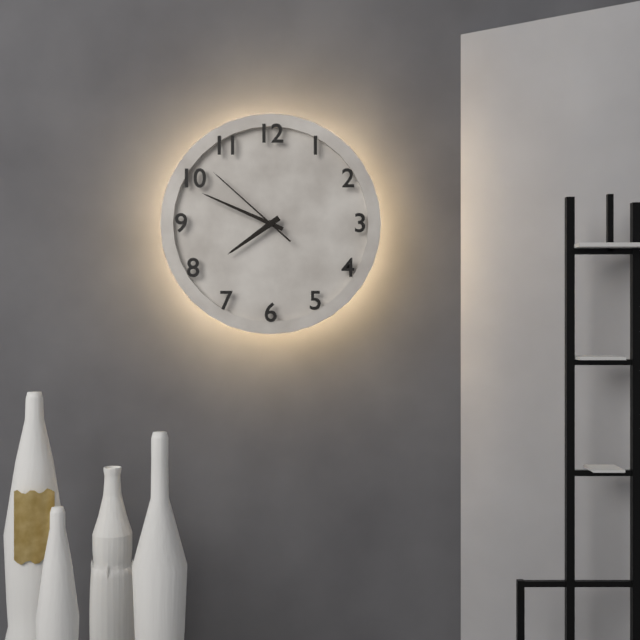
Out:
7.49.52
